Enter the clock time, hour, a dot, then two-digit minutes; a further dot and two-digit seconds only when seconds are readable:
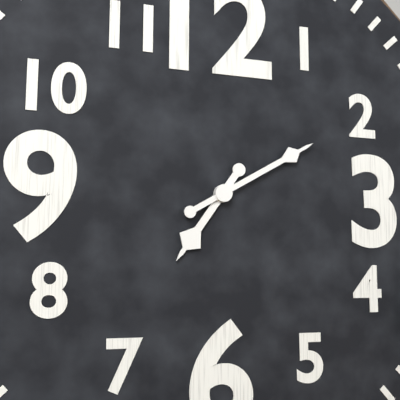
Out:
7.10
